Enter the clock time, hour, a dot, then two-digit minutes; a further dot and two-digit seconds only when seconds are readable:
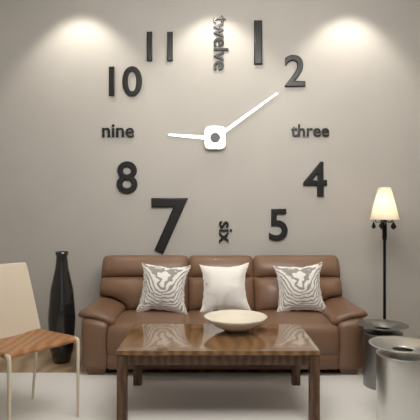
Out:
9.09
